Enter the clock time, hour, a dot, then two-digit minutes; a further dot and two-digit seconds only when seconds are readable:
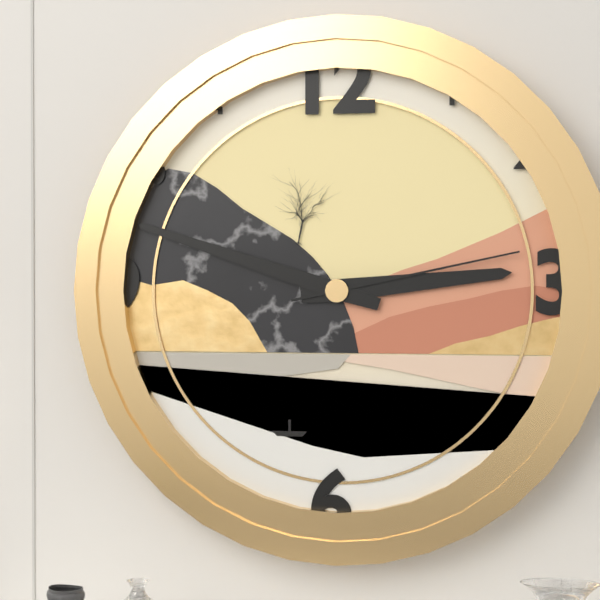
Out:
2.48.13
